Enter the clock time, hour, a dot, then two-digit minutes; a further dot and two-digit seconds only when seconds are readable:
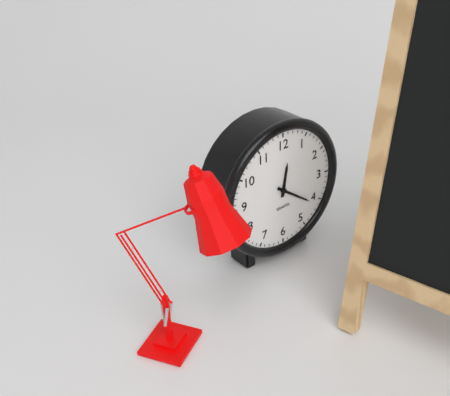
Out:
12.21
